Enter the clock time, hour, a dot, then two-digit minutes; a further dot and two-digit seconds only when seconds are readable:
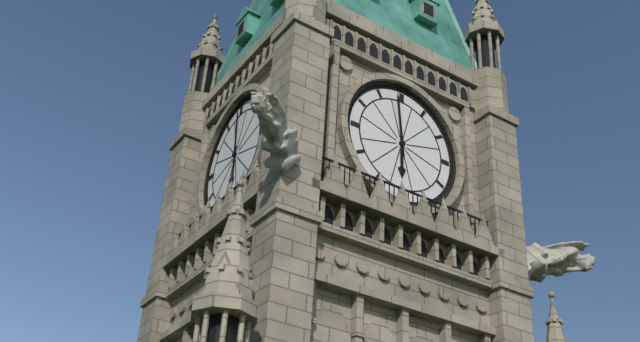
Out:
5.59
